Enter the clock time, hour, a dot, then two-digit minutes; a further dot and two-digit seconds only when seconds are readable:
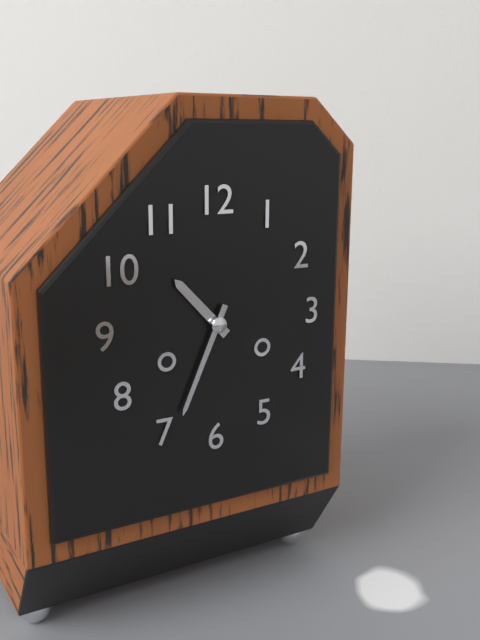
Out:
10.34
